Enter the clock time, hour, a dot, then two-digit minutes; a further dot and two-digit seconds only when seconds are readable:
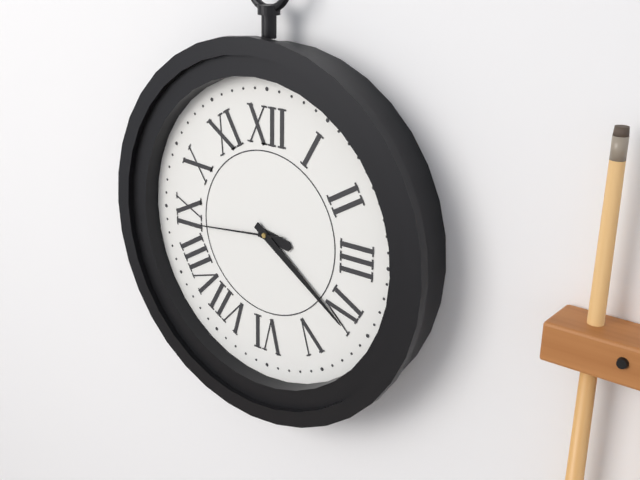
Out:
3.21.44
